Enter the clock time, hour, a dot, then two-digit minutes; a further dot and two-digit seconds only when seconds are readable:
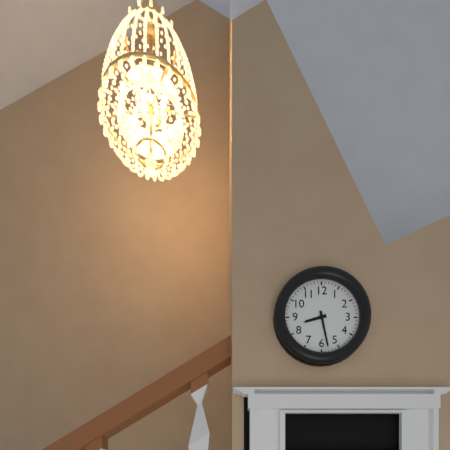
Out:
8.28
